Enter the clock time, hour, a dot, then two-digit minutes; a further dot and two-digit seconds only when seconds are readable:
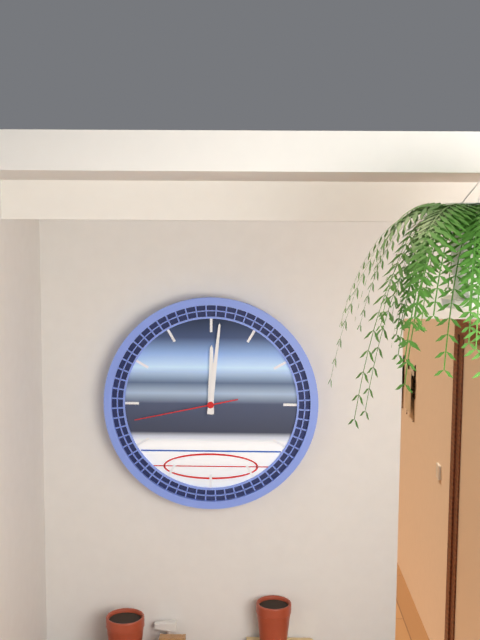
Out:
12.01.43
